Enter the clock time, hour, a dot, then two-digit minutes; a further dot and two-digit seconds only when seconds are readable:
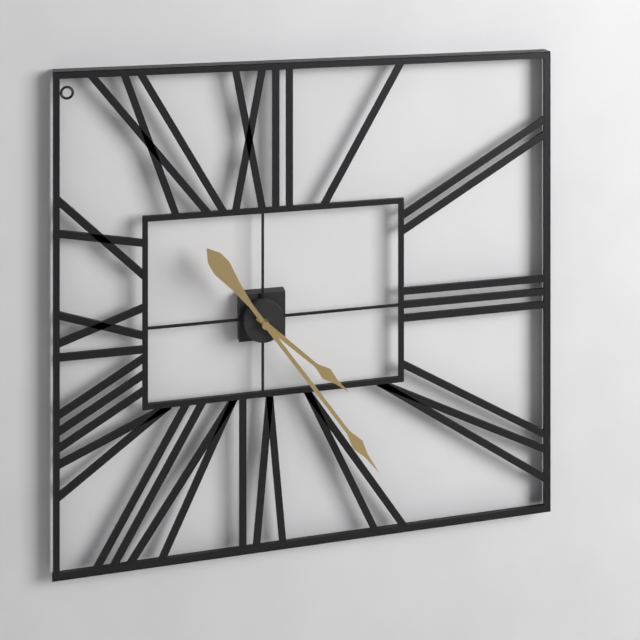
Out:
4.24
